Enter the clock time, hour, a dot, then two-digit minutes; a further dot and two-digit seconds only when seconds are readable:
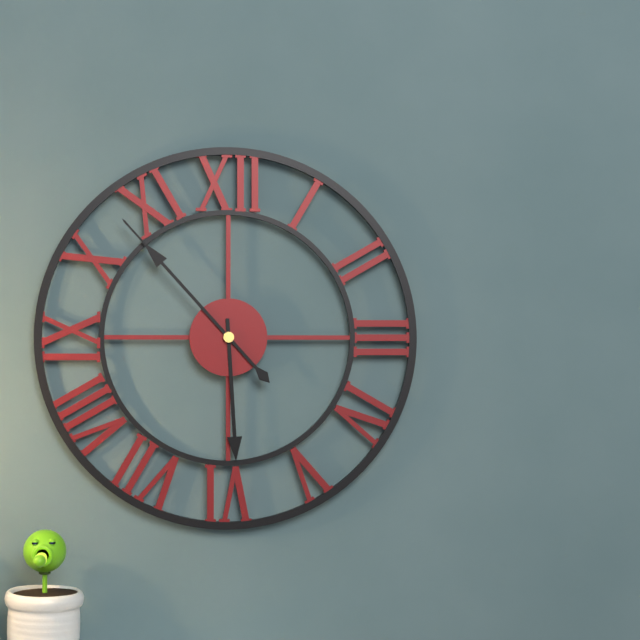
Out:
5.53
